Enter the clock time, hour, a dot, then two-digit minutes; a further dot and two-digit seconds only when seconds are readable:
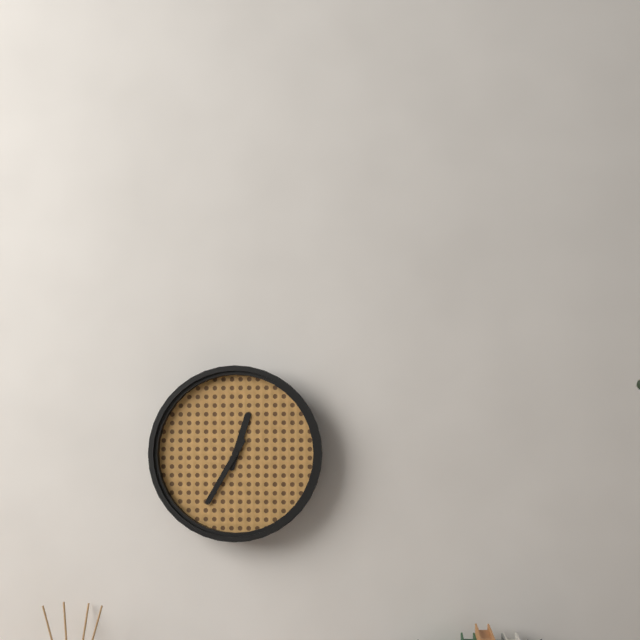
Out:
12.35
